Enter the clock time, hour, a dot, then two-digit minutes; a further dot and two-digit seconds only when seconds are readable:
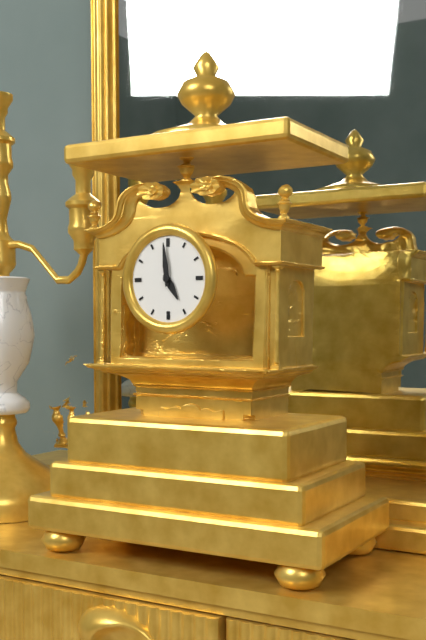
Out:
4.59
